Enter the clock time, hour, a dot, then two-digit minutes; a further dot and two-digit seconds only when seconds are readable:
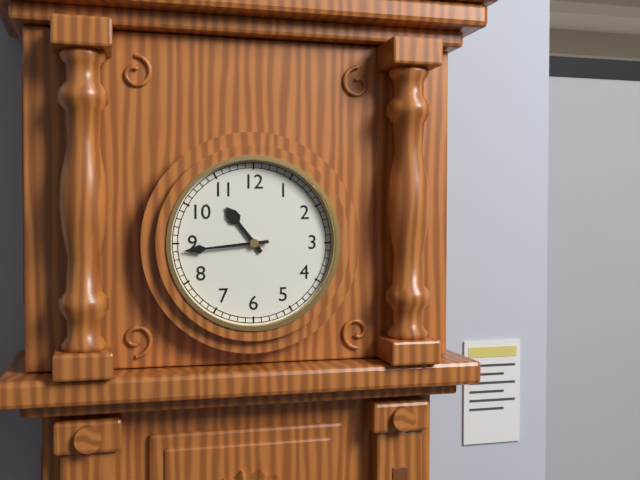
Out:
10.44
